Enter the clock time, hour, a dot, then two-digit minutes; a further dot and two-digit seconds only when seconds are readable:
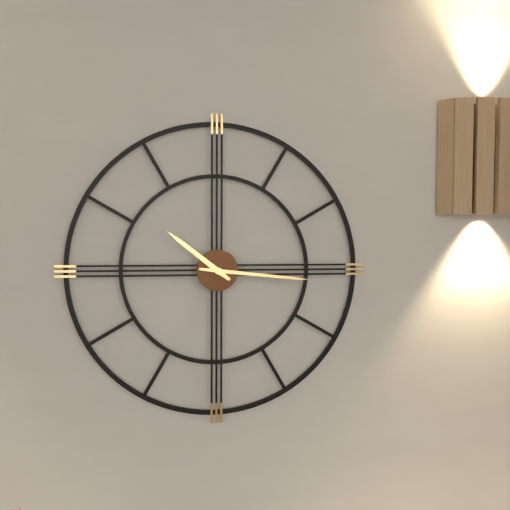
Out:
10.16
